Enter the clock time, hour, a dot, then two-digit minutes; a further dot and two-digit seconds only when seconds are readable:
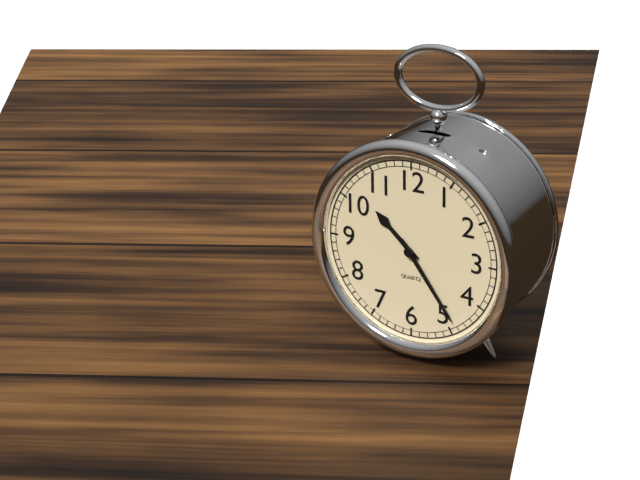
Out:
10.24
